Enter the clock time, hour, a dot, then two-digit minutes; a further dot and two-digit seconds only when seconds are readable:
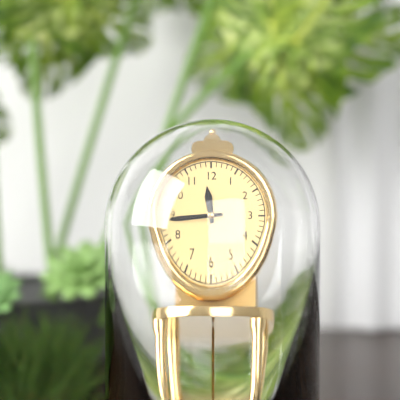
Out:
11.44
